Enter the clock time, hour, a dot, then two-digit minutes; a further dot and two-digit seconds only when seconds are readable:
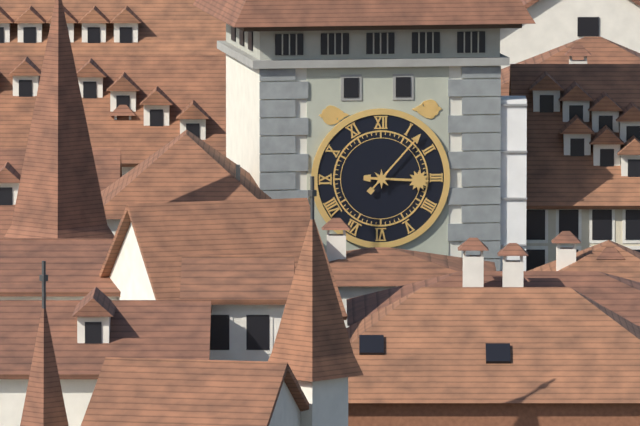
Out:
3.07
